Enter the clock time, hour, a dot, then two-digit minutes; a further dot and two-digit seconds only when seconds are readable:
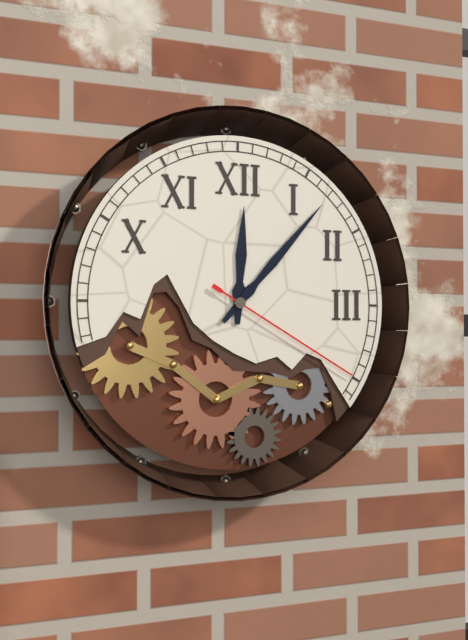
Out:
12.07.20
